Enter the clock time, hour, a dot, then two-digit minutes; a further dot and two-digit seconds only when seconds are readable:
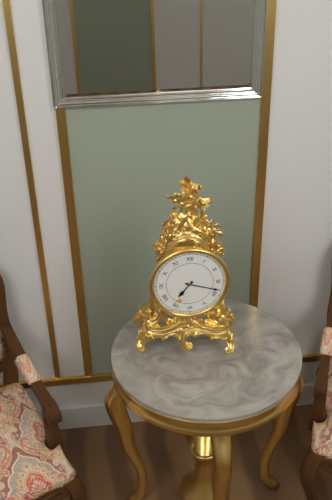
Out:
7.18
